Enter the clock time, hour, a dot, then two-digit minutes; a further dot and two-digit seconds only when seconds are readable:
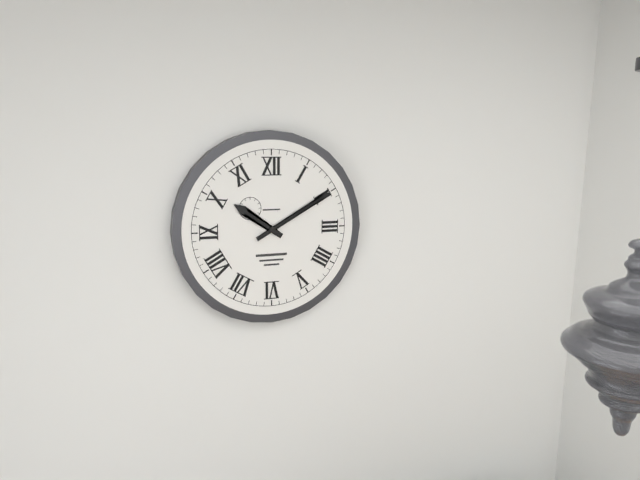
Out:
10.10
